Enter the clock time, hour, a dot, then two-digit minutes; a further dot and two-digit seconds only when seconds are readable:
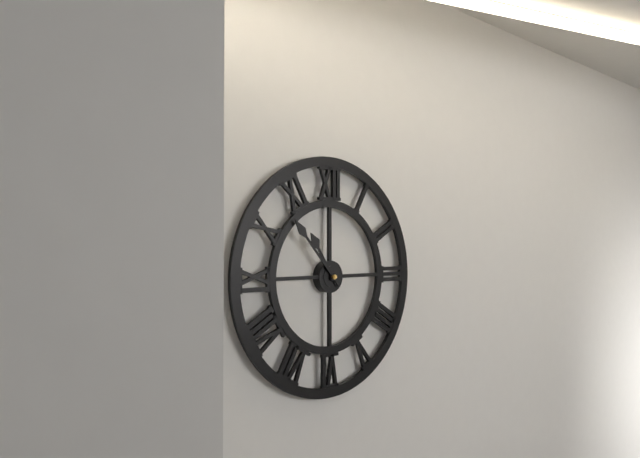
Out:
10.53
